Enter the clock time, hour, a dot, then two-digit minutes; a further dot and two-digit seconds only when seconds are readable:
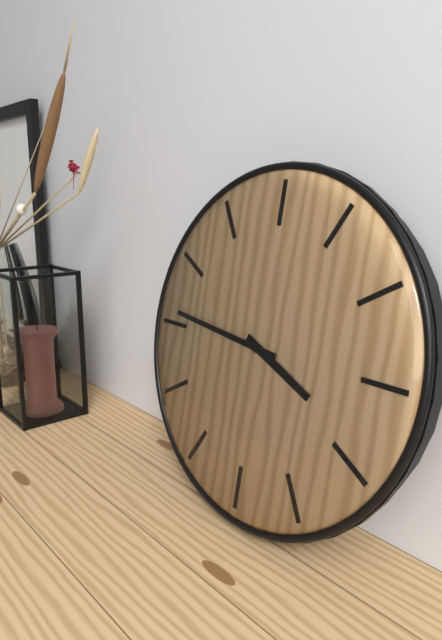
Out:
3.46
